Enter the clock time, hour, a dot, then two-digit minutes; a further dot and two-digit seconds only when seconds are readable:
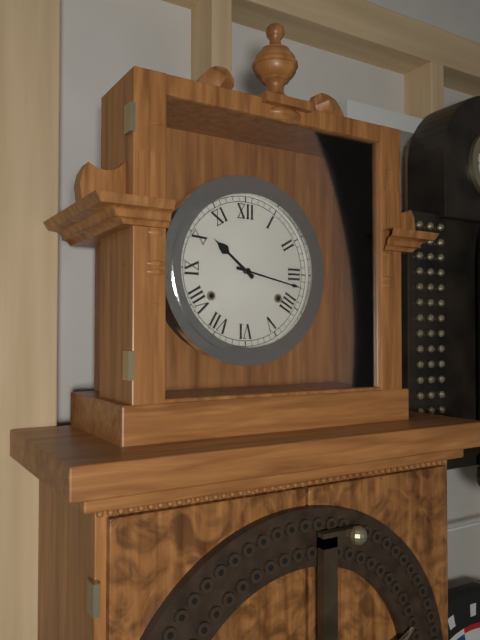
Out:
10.17
